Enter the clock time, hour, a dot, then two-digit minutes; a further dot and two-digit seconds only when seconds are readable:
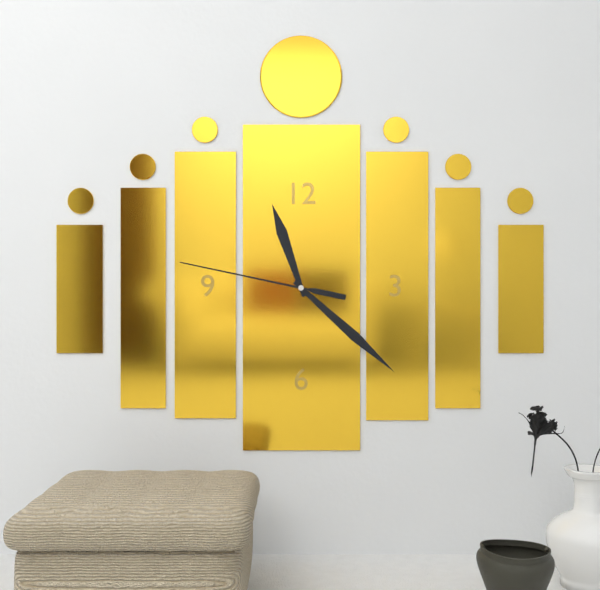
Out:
11.22.47
